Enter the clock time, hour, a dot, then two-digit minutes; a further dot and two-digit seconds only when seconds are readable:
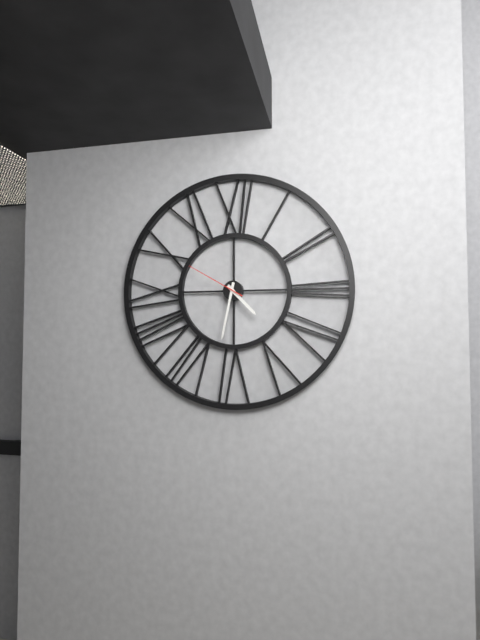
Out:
4.32.50
